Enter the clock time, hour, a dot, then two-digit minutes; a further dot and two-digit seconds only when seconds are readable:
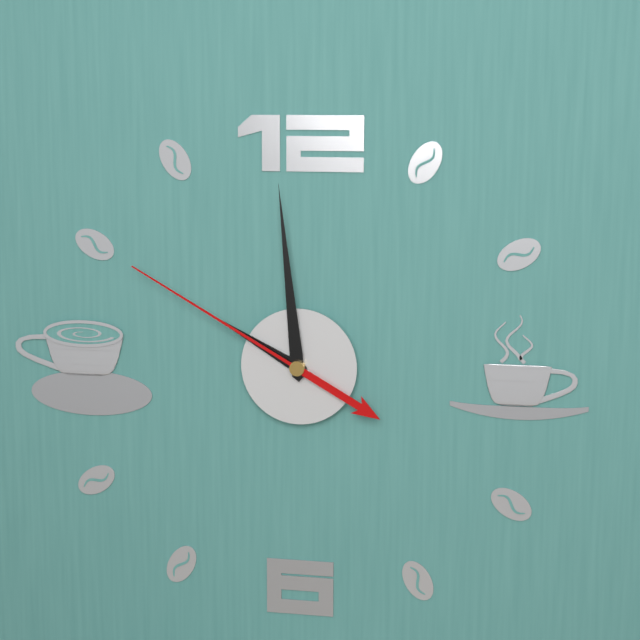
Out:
9.59.50
